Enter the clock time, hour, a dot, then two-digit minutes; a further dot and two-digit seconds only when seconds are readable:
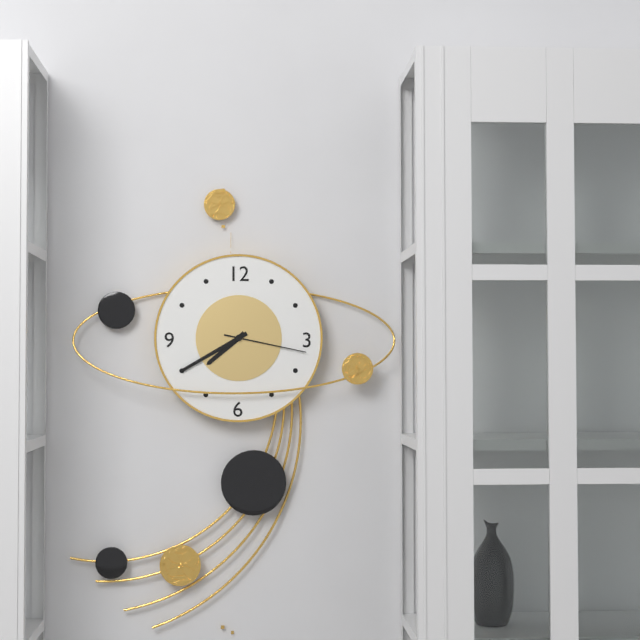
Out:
7.40.17
